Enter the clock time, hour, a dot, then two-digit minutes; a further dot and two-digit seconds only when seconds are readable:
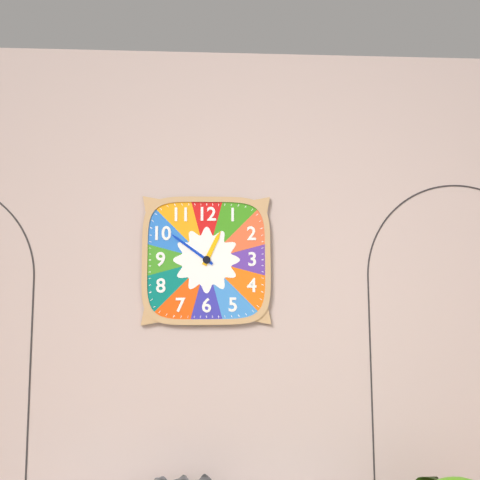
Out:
12.51
